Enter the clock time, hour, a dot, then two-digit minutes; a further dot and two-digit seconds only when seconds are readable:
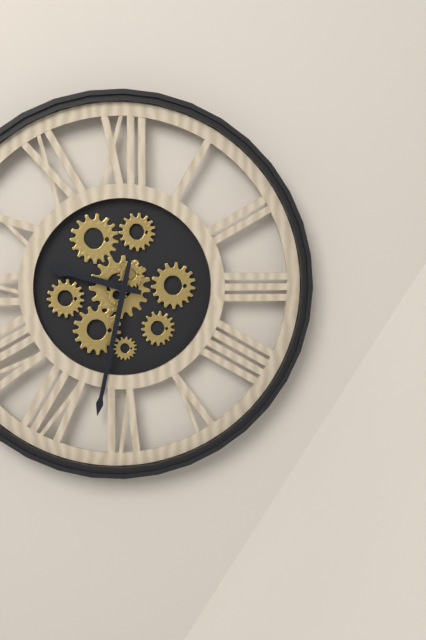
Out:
9.32
